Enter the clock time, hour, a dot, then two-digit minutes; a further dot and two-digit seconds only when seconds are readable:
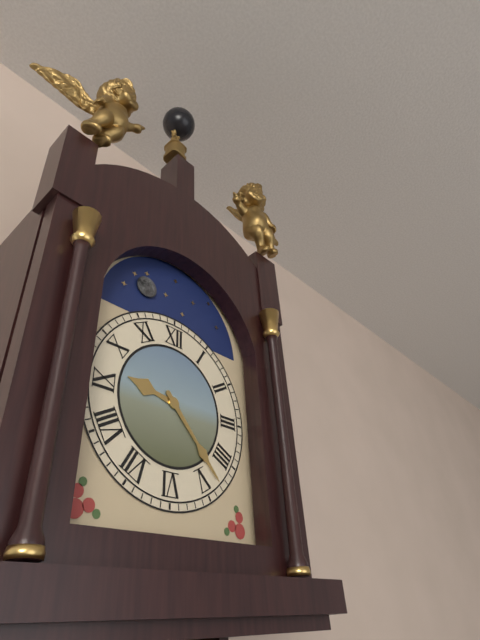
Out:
9.23
